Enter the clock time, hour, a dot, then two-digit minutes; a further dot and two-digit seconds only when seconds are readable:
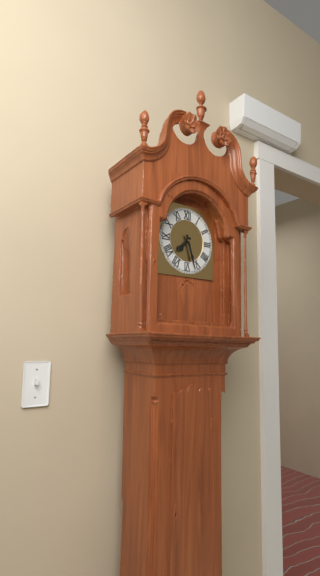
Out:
7.27
